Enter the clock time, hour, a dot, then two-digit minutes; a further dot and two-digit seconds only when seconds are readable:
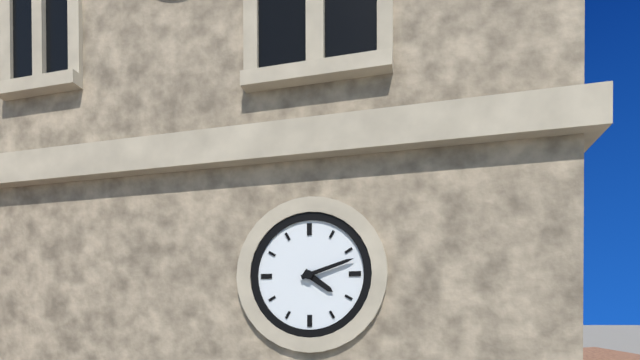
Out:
4.12
